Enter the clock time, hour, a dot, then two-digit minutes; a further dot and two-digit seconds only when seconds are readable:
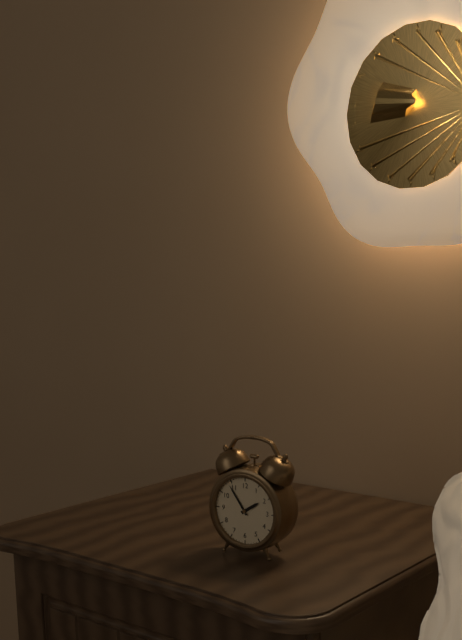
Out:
1.54
